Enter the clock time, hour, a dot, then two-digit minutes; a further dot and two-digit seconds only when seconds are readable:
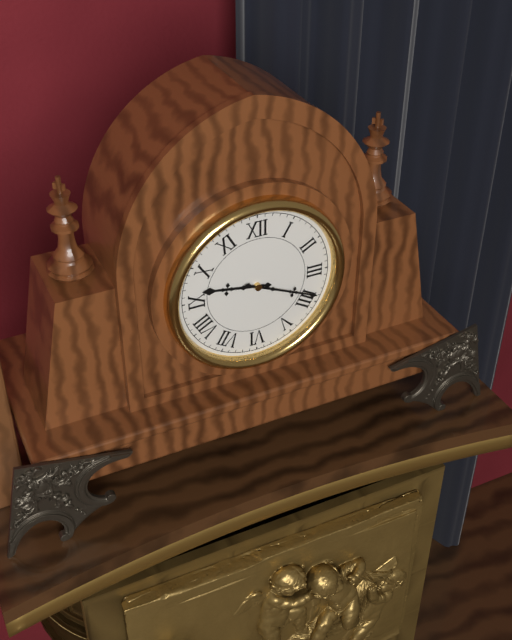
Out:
9.19
